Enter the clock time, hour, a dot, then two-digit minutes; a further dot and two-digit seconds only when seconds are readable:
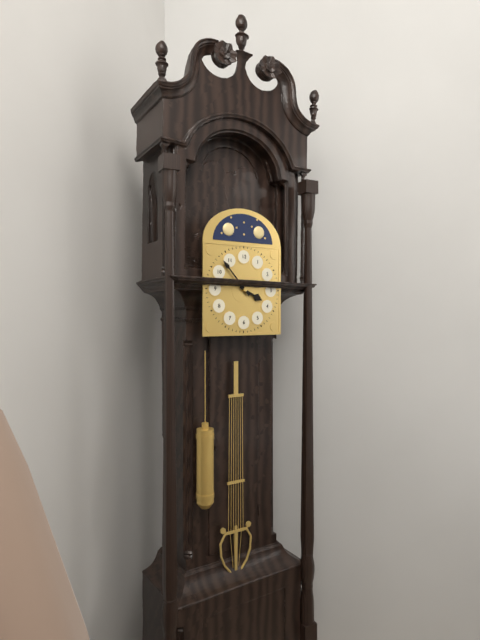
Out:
3.53
